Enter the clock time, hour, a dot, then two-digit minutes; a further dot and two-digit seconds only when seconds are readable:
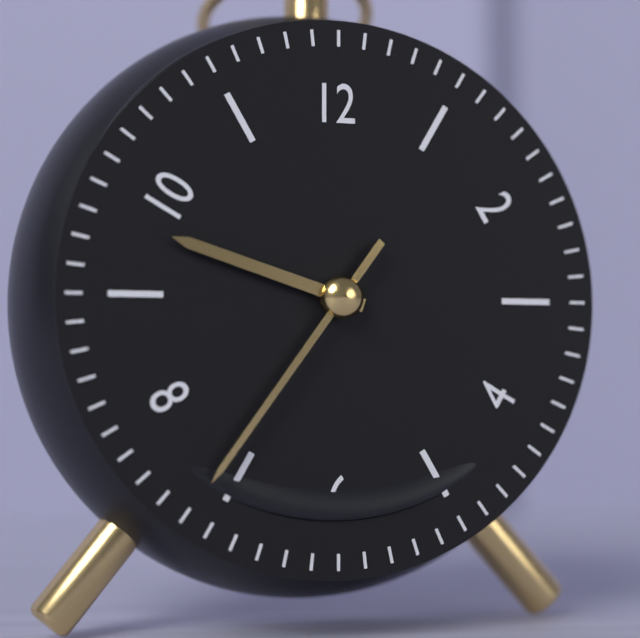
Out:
9.36
